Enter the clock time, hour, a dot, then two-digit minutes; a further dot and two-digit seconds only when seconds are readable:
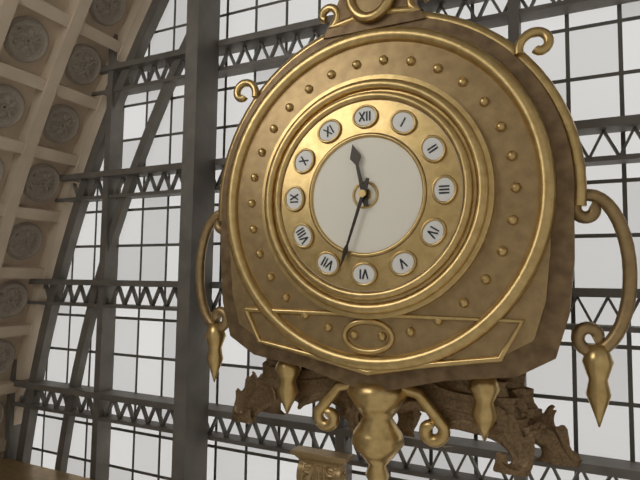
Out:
11.33
